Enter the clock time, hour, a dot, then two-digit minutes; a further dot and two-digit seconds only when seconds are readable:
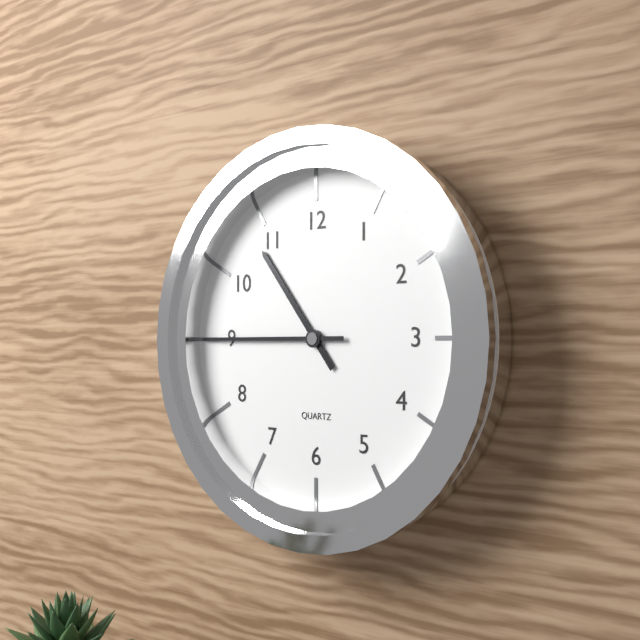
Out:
10.45
